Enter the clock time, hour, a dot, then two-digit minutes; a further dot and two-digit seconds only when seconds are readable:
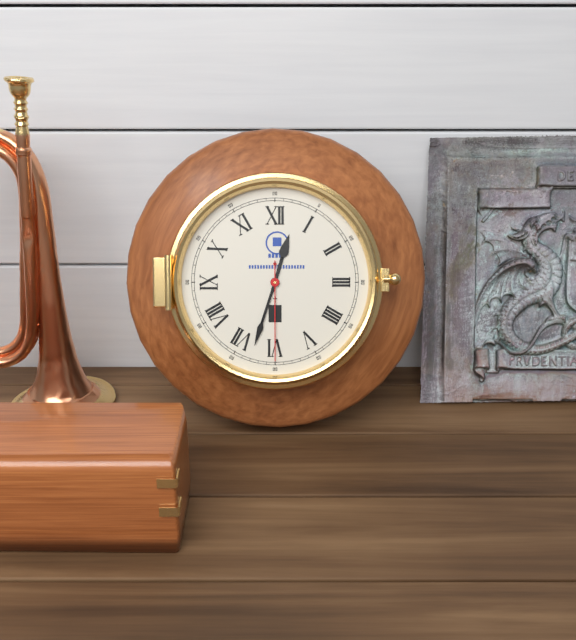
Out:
12.33.30
